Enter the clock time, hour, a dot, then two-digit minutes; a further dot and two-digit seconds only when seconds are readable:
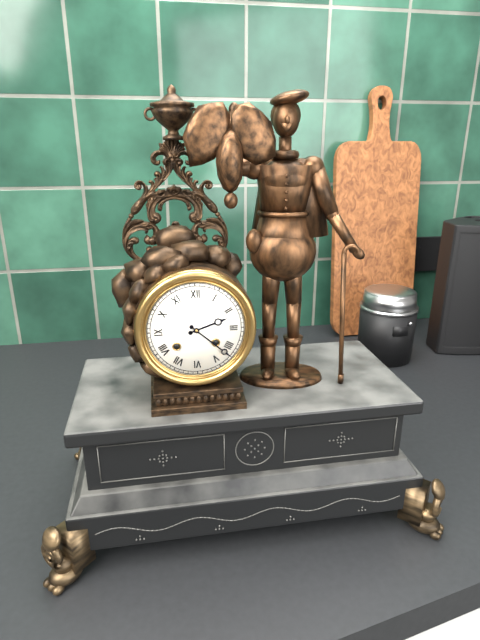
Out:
2.22
